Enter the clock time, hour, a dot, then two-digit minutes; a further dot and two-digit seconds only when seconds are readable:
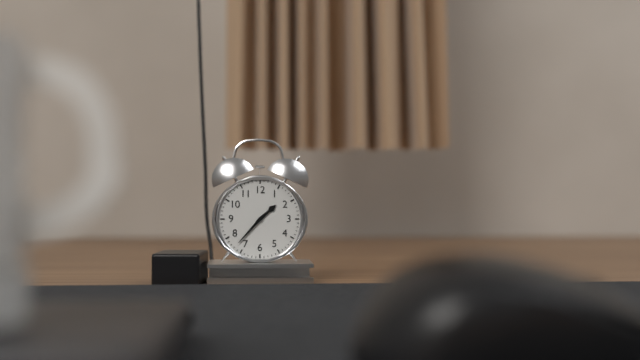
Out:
1.37
